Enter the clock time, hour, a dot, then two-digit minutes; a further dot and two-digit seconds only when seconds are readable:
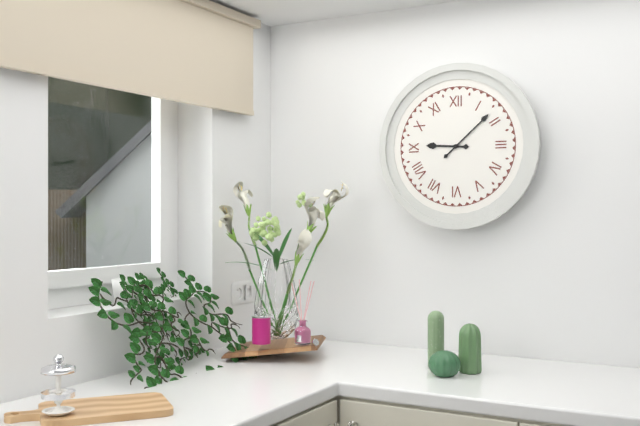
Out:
9.08
